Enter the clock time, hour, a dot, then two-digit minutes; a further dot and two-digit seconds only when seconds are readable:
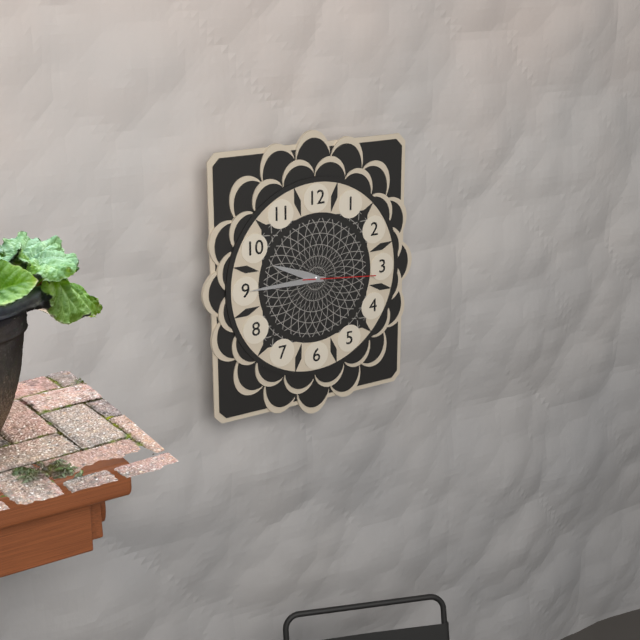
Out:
9.45.16
